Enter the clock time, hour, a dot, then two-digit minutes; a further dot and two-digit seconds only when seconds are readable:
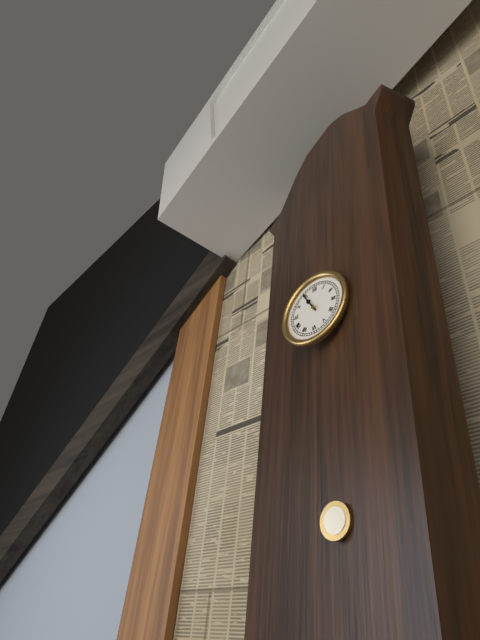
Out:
10.55
